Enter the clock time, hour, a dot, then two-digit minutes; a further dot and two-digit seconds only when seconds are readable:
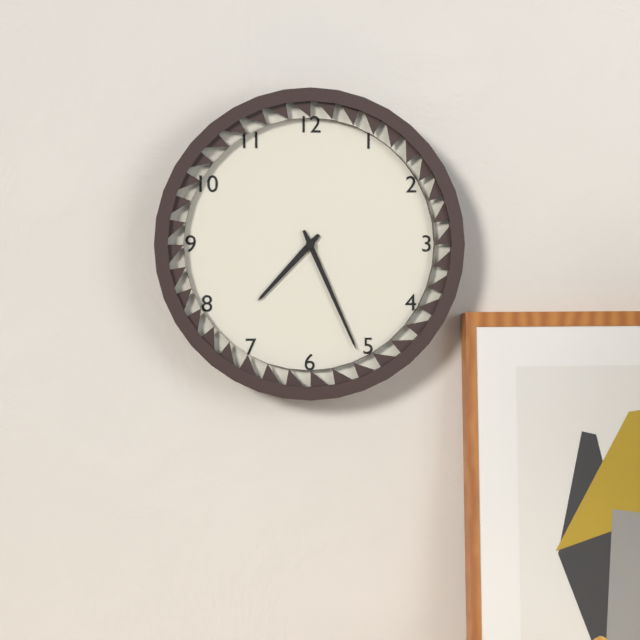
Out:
7.26
